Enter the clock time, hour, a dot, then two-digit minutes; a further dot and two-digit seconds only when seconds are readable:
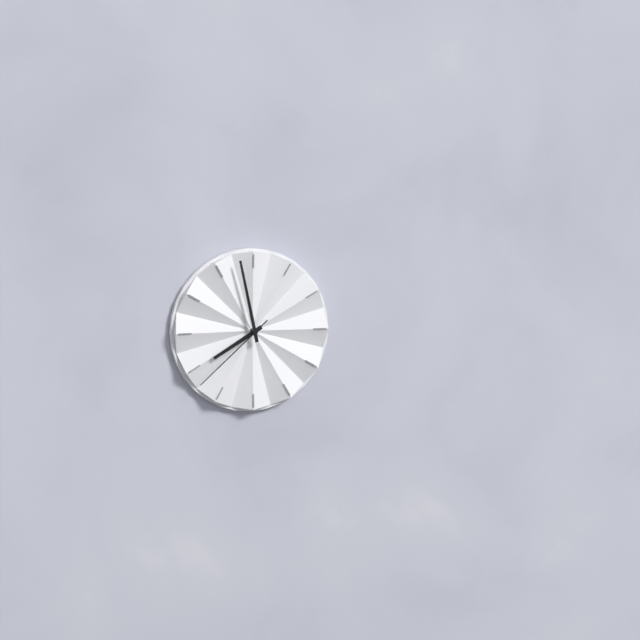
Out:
7.58.38
